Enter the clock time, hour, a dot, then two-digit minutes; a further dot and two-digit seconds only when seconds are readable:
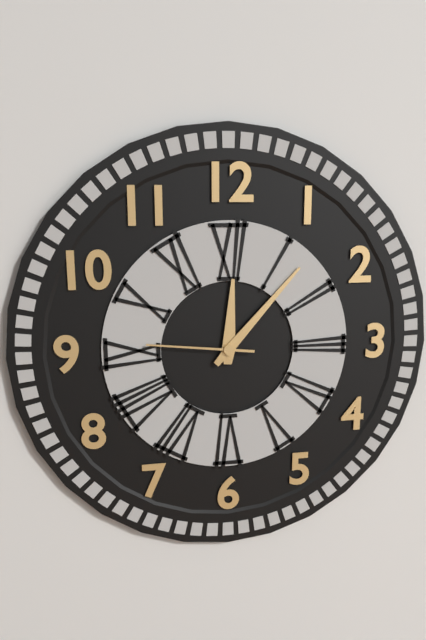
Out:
12.07.46
